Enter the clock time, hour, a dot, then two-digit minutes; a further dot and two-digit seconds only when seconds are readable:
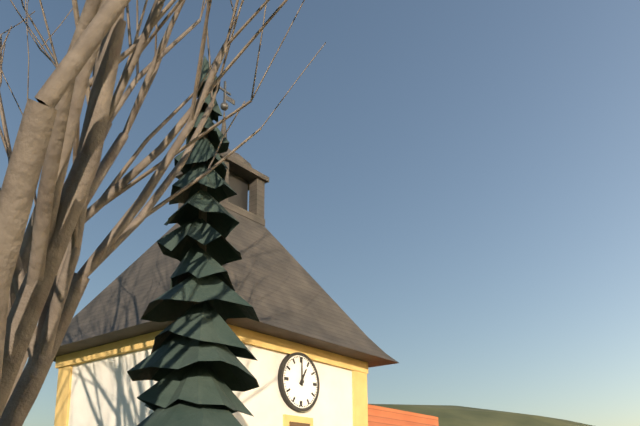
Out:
1.00
